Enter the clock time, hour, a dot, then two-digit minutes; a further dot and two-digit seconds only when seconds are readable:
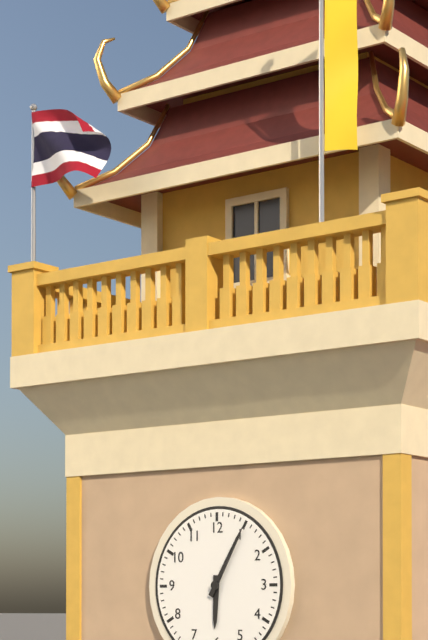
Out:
6.05
